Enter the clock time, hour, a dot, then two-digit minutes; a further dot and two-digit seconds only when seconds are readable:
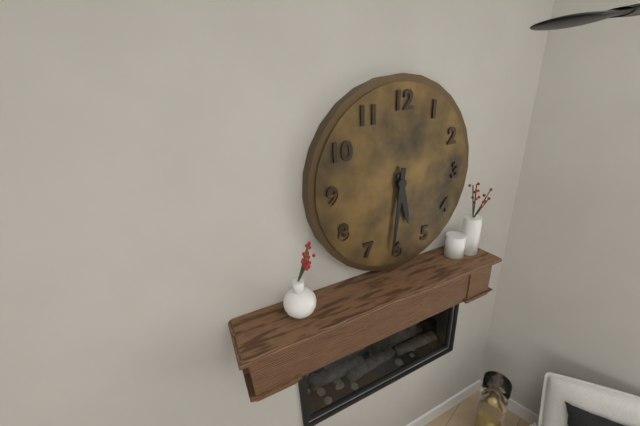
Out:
5.31
